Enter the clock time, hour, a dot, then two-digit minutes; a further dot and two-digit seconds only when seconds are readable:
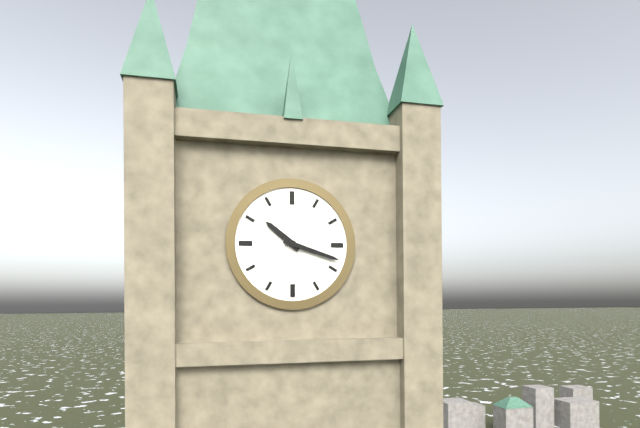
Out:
10.18
